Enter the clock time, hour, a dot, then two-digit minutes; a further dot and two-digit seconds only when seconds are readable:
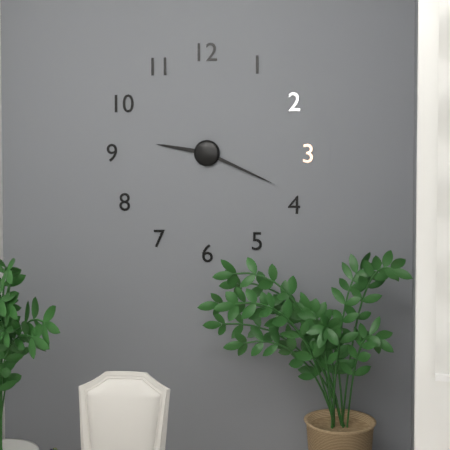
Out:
9.19
